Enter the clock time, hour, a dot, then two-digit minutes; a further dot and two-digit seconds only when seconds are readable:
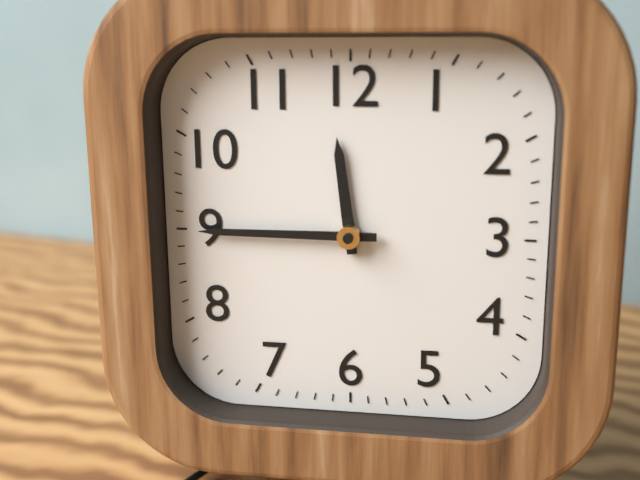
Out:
11.45
